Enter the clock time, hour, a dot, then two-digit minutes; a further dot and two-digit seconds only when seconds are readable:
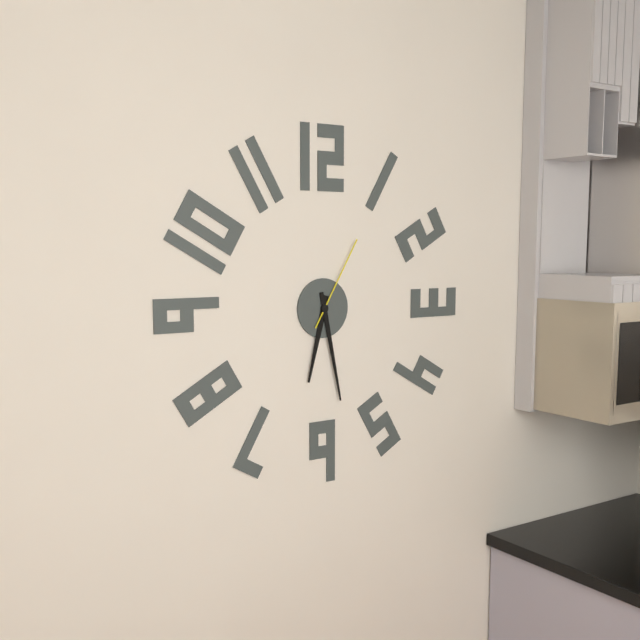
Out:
6.28.05
